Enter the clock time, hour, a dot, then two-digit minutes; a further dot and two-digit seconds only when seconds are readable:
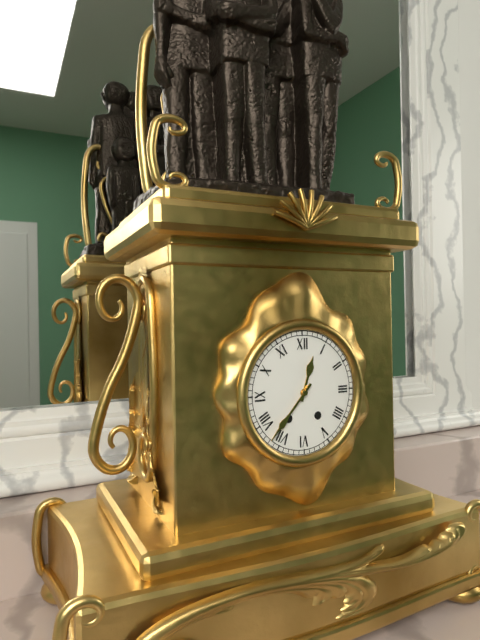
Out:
12.37
